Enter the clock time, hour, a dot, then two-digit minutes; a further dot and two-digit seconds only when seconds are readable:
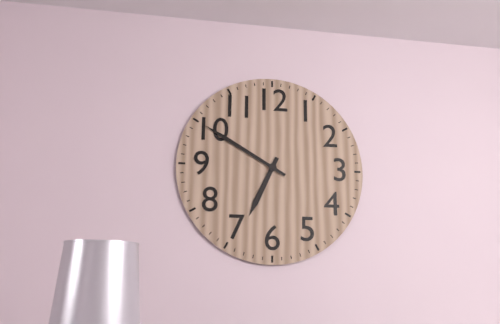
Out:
6.50
